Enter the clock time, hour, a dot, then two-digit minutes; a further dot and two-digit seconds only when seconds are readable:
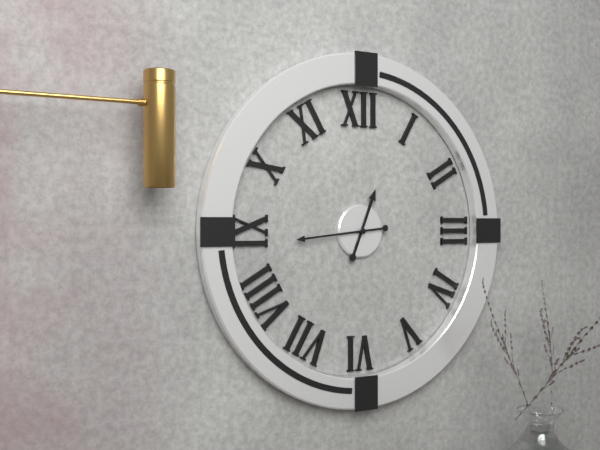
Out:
12.44
